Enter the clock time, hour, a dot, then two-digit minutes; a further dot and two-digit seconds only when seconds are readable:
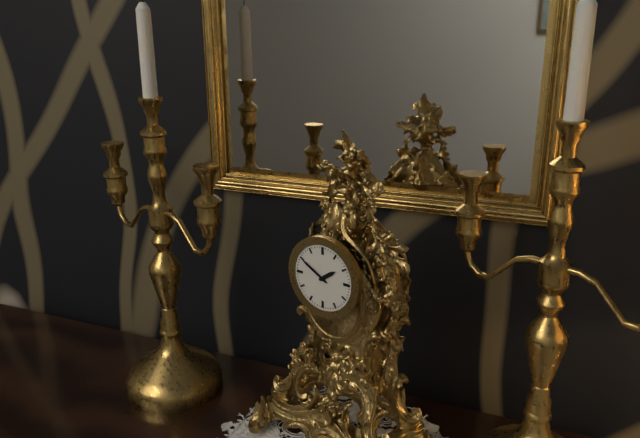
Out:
1.50
